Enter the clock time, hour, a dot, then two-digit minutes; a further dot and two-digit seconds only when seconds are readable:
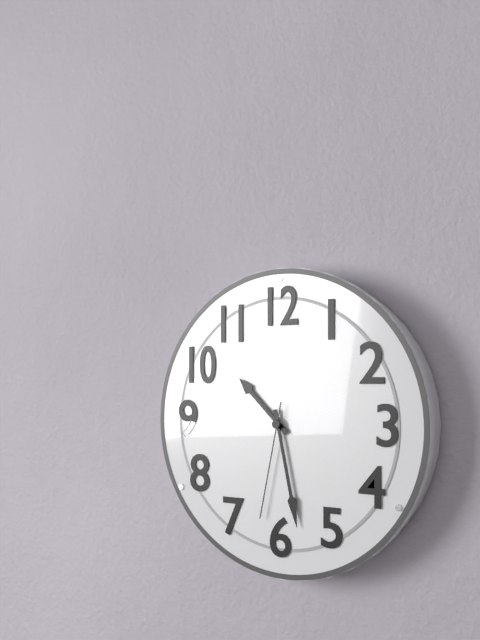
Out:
10.28.32
